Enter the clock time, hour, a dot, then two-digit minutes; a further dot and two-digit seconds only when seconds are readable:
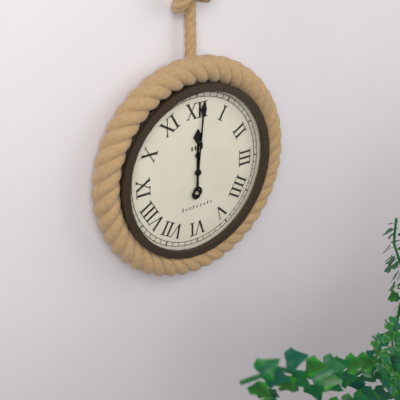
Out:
12.01
